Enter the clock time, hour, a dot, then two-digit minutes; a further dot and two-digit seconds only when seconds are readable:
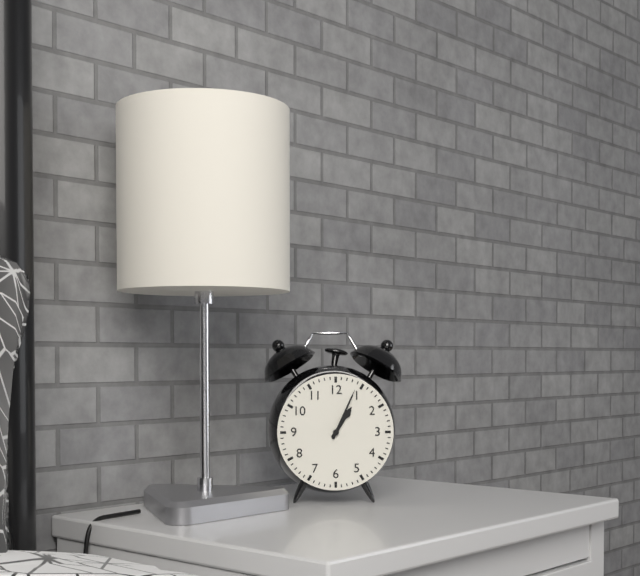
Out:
1.04
